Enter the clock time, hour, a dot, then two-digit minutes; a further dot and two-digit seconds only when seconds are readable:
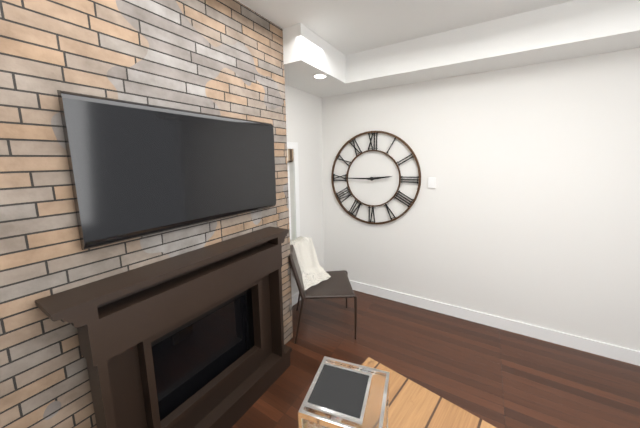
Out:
2.45
